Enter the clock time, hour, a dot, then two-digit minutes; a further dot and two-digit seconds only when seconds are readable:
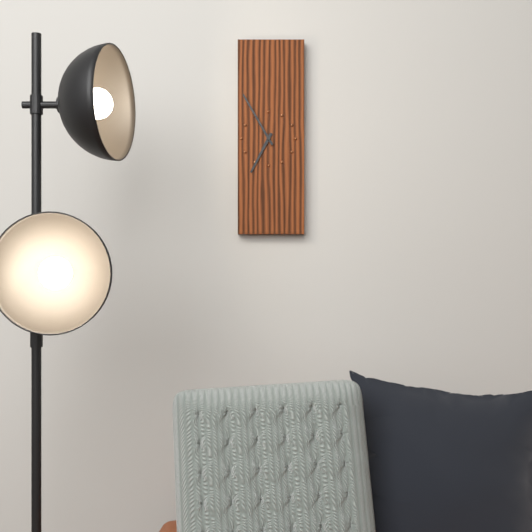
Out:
6.55
